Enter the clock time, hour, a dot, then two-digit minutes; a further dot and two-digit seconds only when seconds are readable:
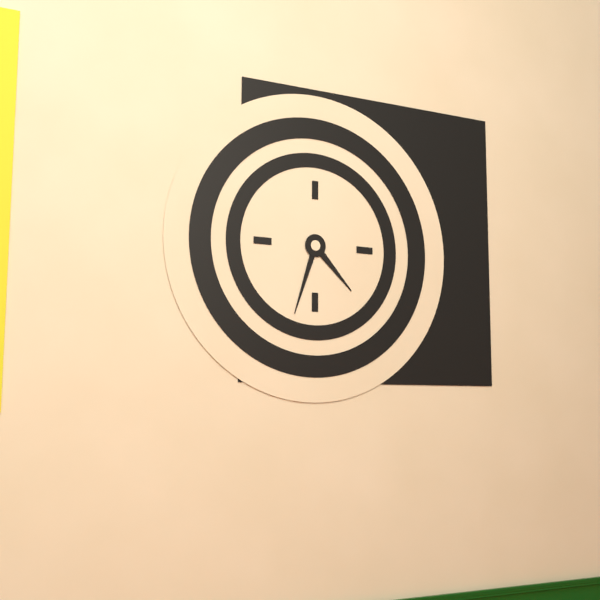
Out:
4.33
